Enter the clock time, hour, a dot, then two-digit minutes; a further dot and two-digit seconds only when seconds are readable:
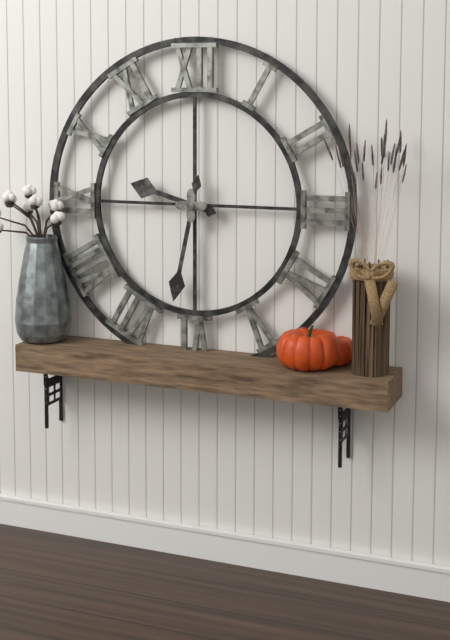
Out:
9.32
